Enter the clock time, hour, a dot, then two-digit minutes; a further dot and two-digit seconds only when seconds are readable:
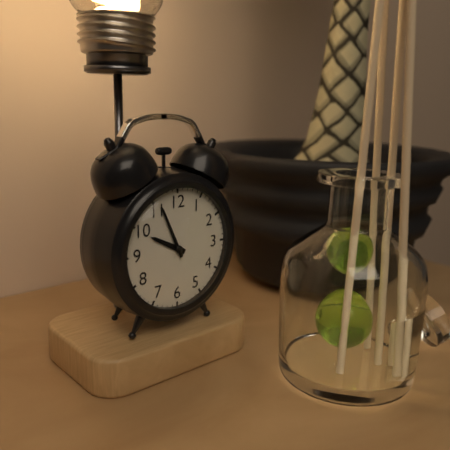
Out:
9.56
